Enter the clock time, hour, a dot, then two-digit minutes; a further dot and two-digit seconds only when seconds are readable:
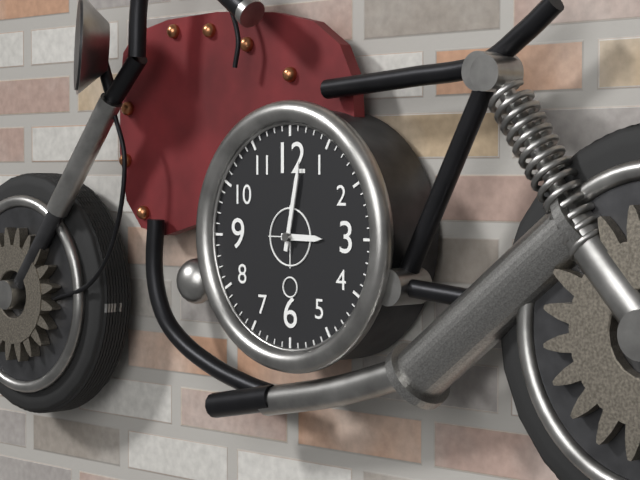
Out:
3.02
